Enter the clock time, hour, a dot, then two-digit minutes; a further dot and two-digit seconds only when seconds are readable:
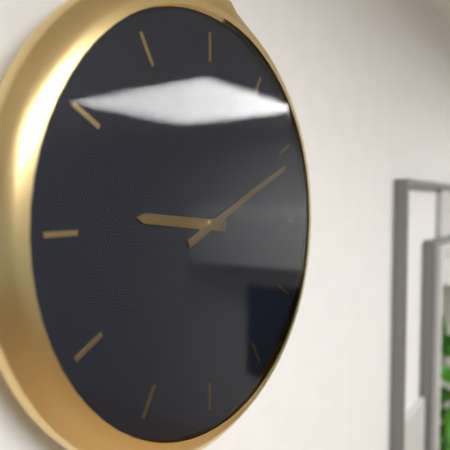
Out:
9.11
